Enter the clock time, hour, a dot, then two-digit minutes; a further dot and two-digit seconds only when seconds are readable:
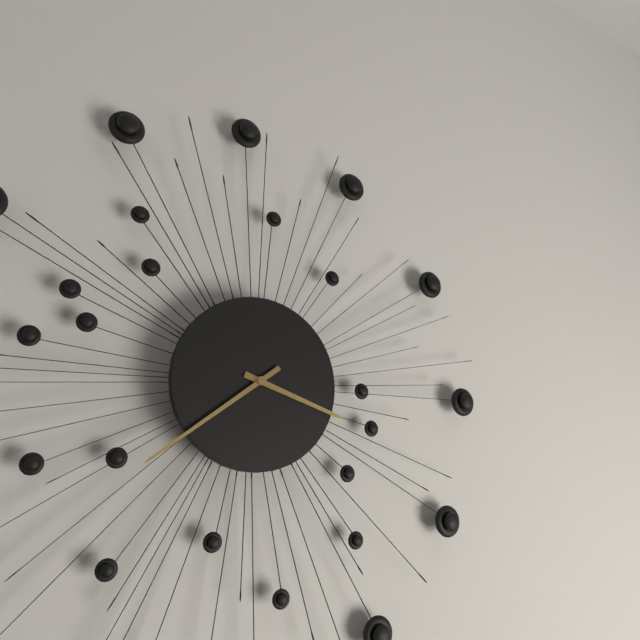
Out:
3.39
